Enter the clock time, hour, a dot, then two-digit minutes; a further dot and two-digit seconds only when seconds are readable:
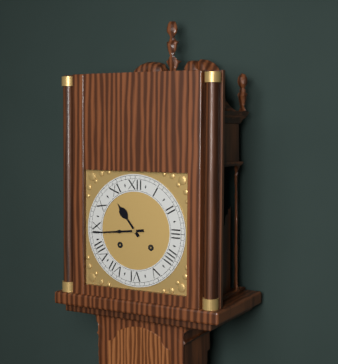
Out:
10.44
